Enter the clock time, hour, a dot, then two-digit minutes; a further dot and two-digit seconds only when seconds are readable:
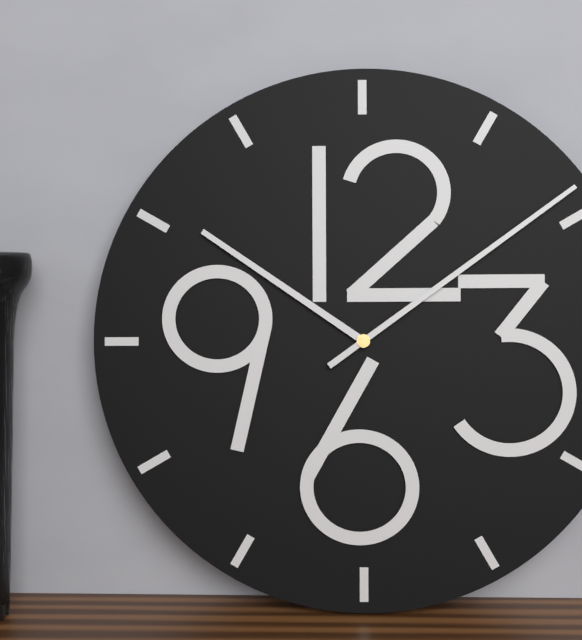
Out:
10.09
